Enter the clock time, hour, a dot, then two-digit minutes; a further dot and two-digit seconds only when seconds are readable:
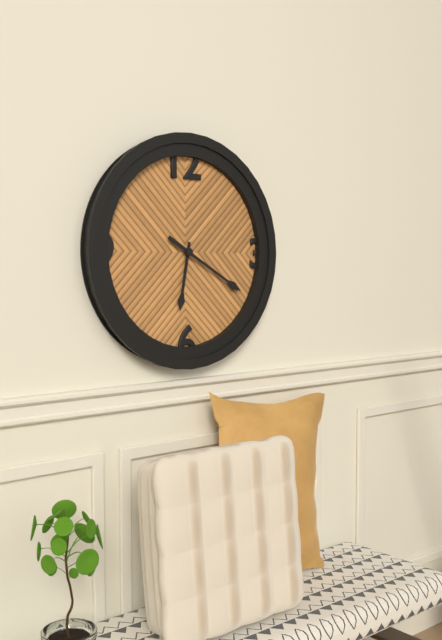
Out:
6.20
